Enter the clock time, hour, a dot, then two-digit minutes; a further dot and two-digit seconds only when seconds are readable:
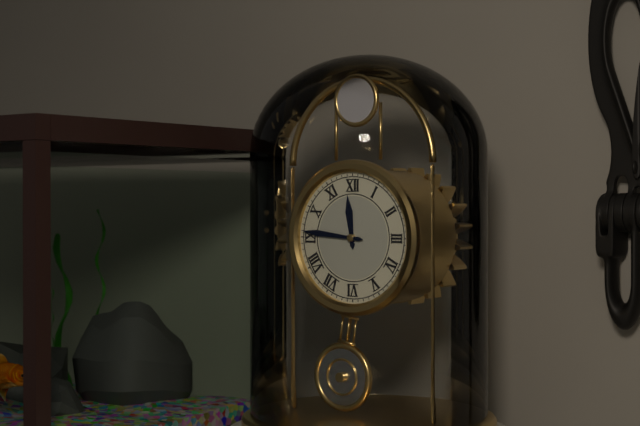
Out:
11.46
